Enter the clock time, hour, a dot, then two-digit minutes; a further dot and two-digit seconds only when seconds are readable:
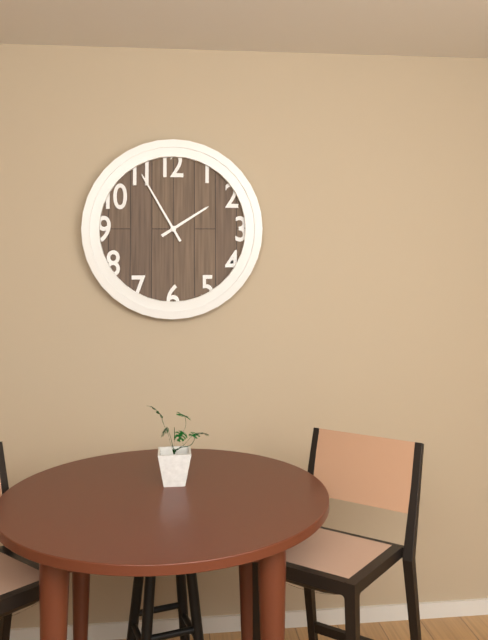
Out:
1.55
